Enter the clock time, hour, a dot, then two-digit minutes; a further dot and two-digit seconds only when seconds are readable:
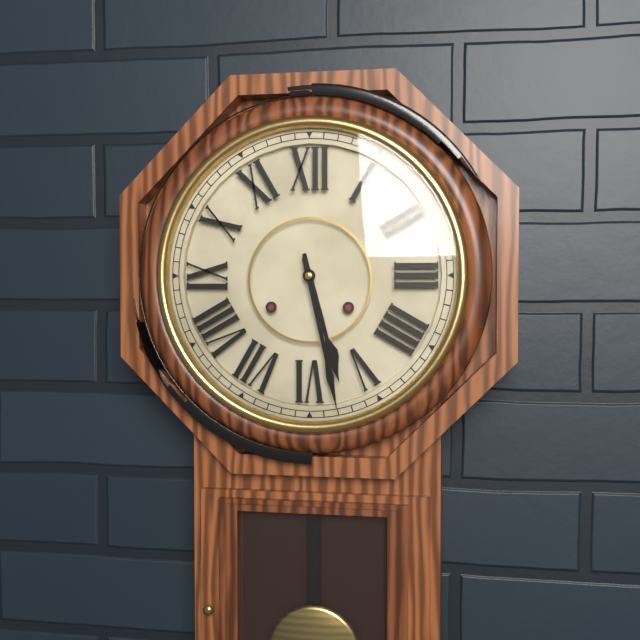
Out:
5.28
